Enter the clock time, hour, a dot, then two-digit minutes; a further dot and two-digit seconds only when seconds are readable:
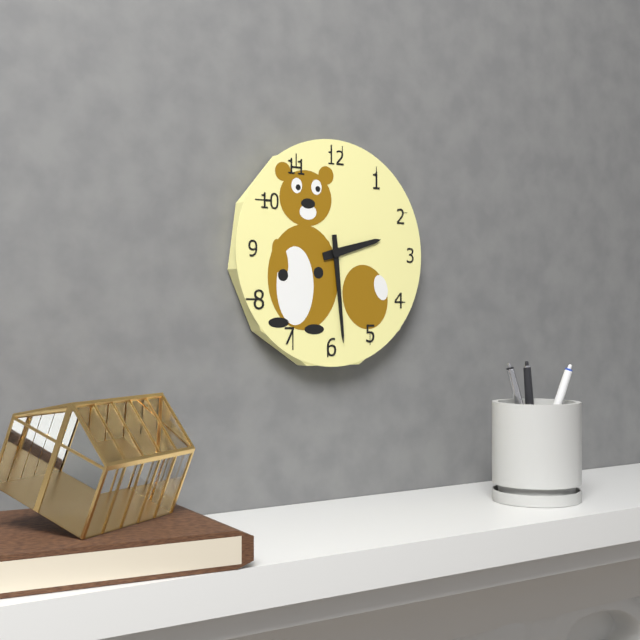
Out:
2.29
